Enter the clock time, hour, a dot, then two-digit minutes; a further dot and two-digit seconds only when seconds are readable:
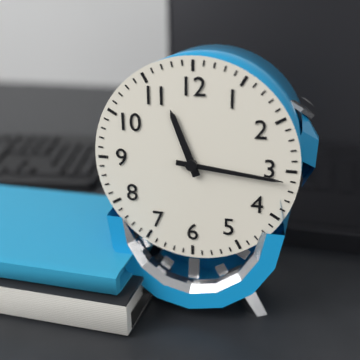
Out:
11.16
